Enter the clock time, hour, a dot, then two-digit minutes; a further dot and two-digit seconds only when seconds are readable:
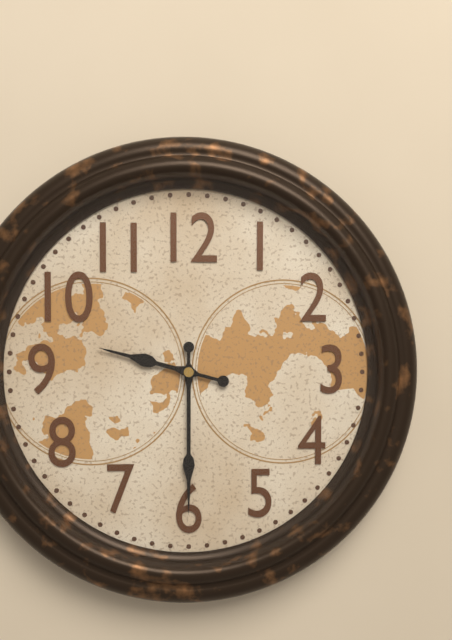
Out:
9.30
